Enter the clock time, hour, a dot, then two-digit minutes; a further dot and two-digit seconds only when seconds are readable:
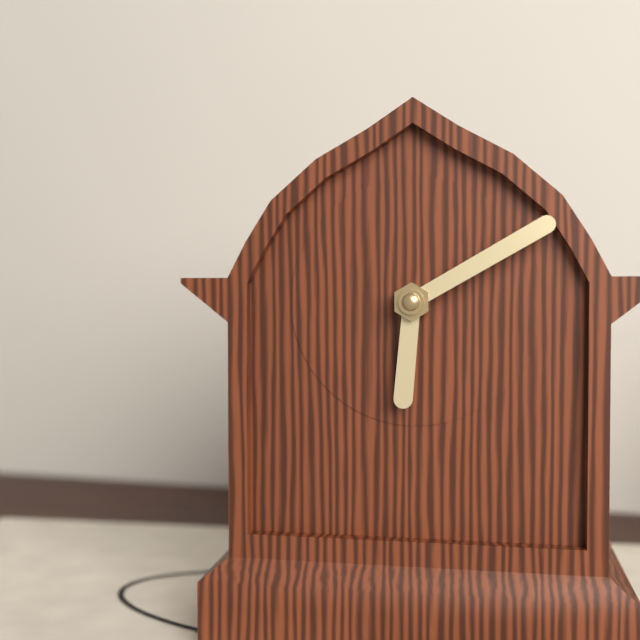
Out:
6.10
